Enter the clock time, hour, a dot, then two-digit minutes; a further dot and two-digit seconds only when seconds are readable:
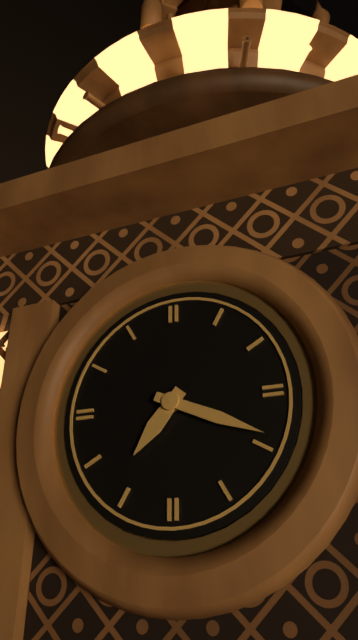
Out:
7.19
